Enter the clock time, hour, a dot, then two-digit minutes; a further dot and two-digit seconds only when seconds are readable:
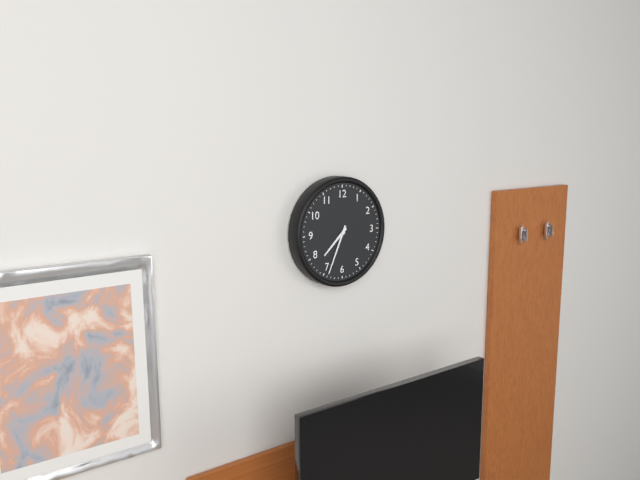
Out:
7.34
